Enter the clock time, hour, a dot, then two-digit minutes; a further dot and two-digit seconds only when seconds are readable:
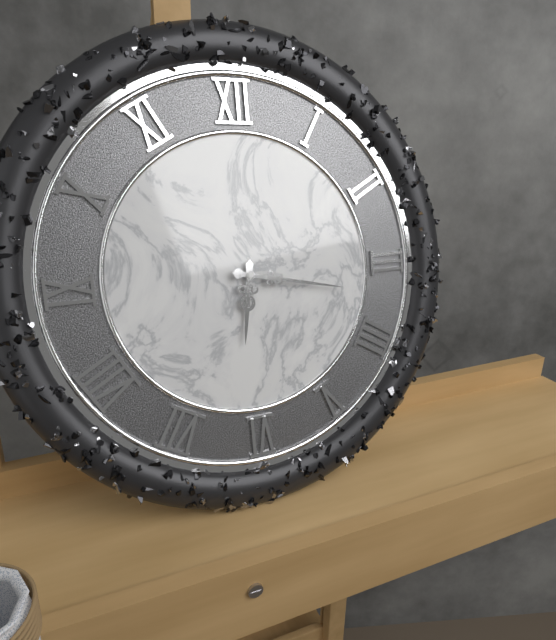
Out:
6.17
